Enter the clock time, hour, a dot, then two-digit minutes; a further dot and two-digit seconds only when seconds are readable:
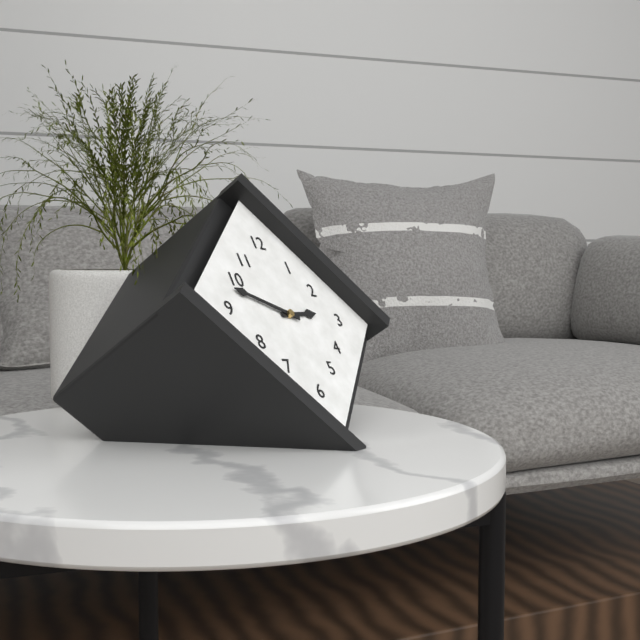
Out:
2.48
